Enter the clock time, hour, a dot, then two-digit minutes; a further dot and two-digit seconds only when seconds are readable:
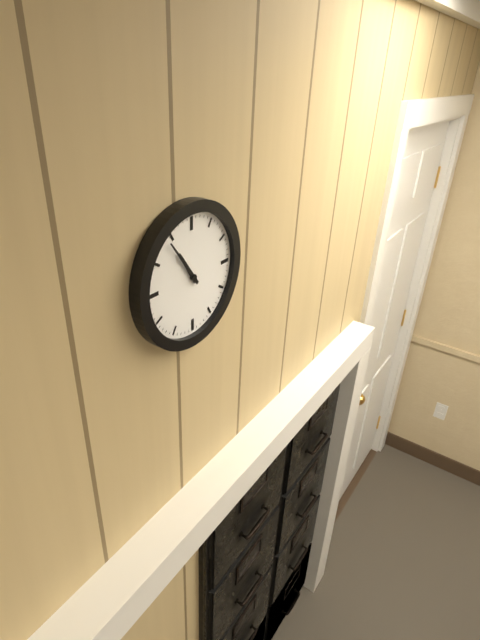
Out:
10.54
